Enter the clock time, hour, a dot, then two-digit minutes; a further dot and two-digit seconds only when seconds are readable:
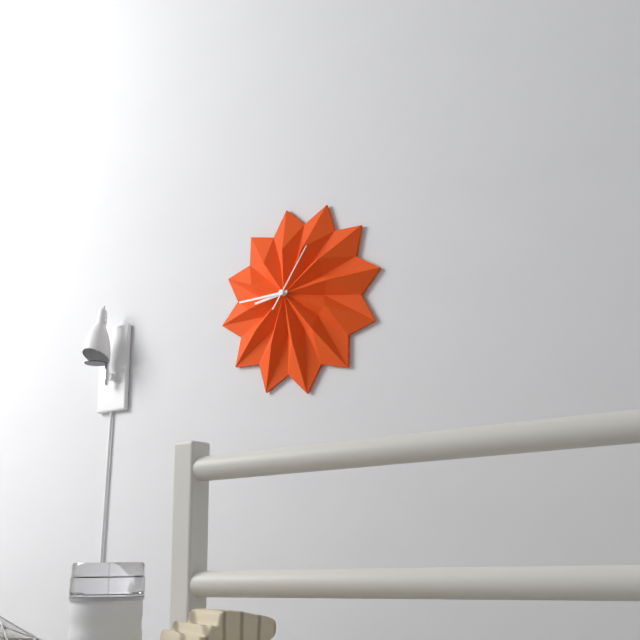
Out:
8.45.06
